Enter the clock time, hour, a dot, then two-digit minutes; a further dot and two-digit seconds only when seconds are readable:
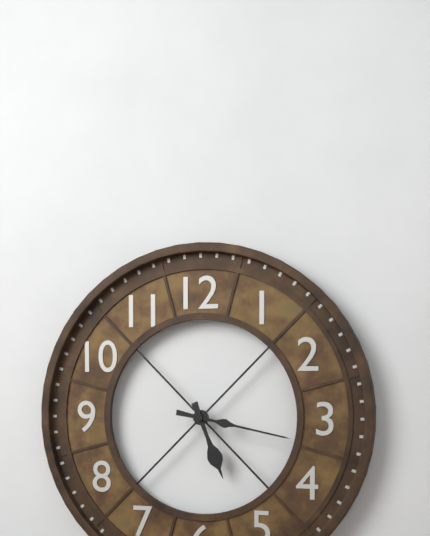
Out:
5.17
